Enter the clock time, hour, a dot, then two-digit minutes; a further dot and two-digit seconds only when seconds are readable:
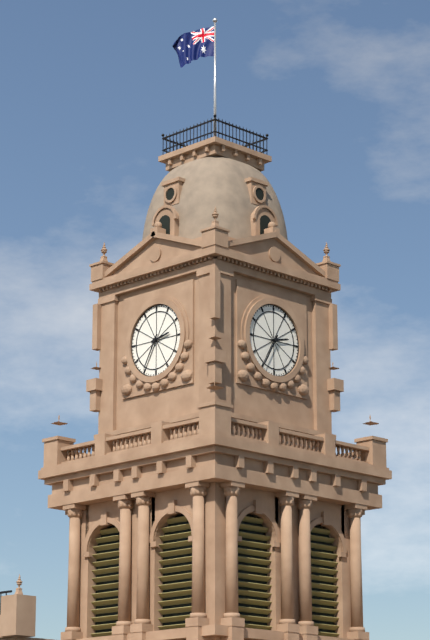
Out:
2.35
